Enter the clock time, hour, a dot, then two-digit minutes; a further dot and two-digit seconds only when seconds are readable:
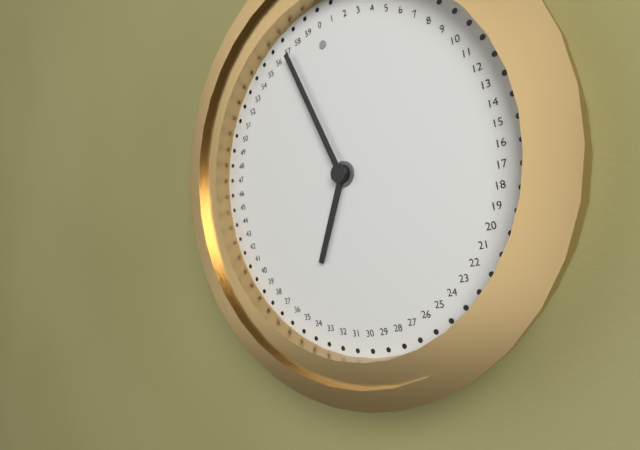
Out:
6.57
